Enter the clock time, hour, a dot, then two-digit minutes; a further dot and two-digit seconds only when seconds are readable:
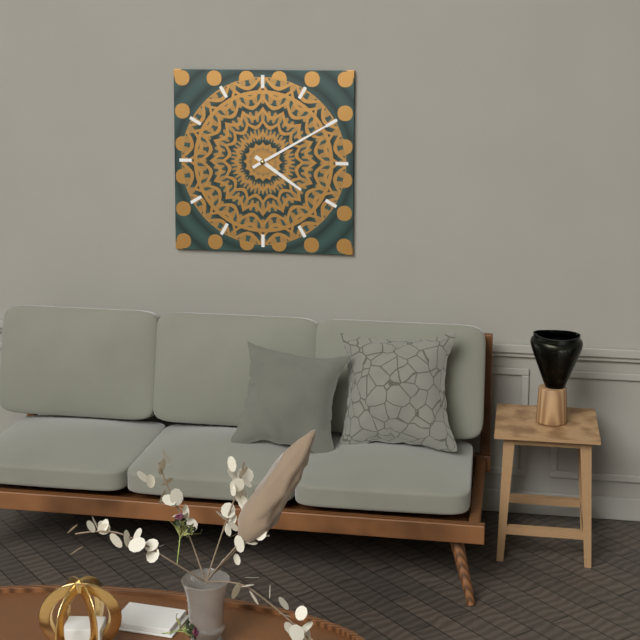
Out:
4.10
